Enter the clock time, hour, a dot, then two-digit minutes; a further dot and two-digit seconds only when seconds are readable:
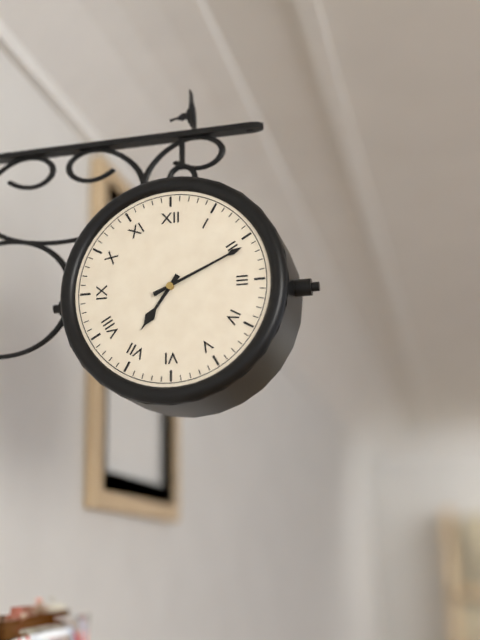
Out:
7.11
